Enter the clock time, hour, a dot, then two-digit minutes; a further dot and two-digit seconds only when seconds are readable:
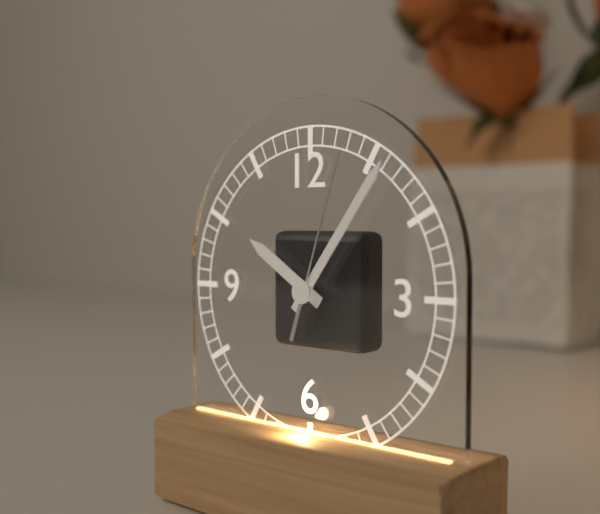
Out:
10.06.03
